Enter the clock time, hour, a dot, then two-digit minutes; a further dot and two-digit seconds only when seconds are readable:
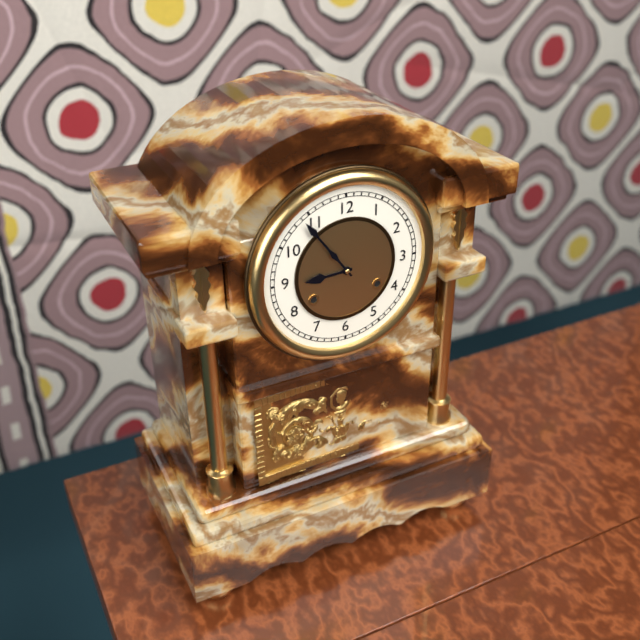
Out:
8.54
